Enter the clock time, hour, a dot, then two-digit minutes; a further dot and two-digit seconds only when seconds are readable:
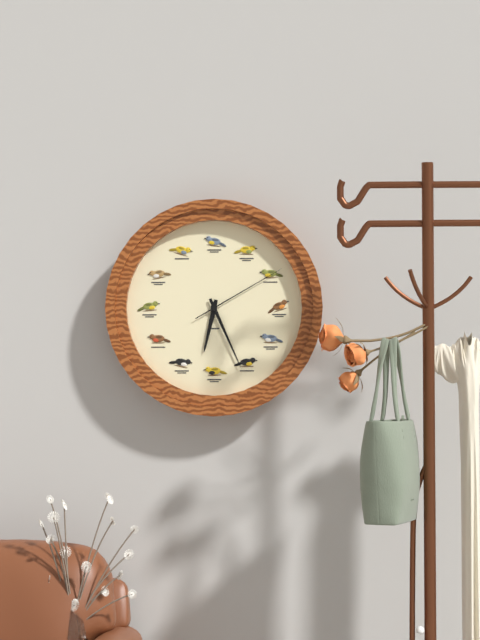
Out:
6.26.10
